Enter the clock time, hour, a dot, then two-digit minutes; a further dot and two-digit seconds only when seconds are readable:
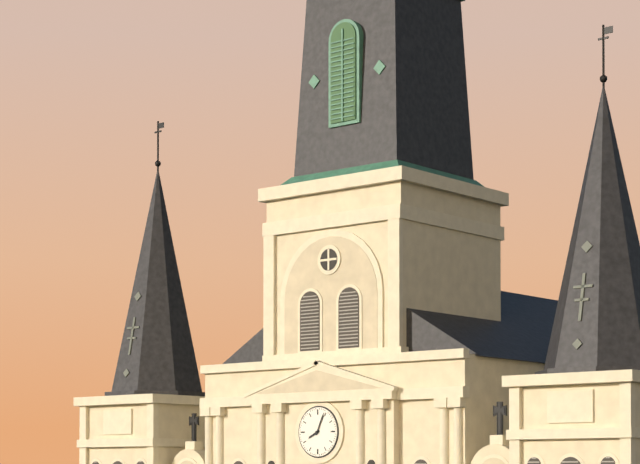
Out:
8.04
